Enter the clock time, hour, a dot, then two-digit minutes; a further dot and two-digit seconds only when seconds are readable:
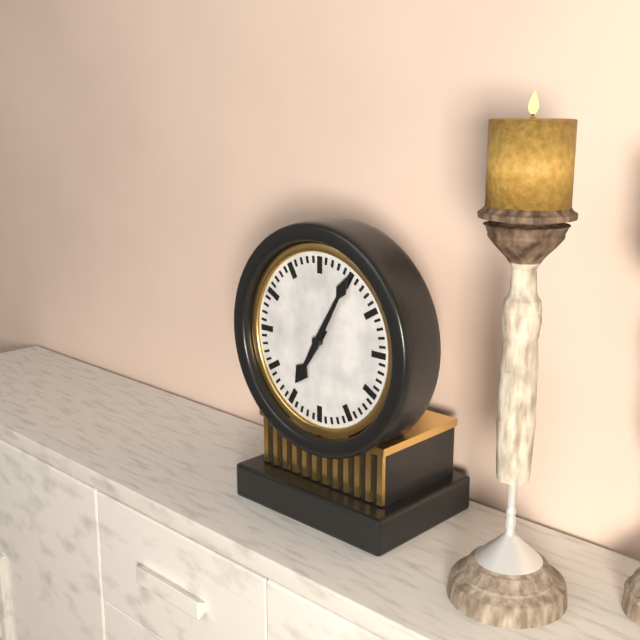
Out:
7.05
